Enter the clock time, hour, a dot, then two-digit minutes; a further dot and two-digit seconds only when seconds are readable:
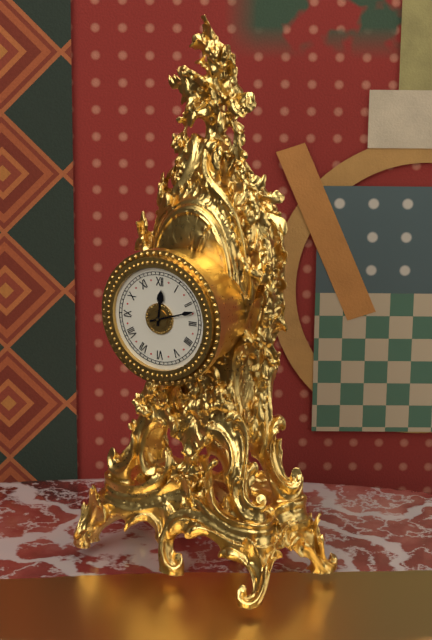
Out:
12.12
